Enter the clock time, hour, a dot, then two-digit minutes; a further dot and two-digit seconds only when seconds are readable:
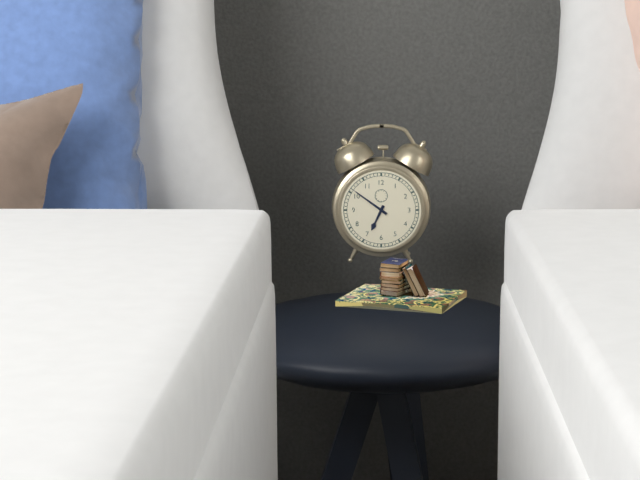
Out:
6.51
